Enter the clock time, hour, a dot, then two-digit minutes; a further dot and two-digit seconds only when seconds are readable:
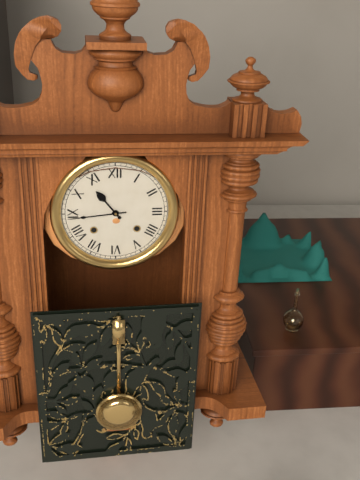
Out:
10.44
